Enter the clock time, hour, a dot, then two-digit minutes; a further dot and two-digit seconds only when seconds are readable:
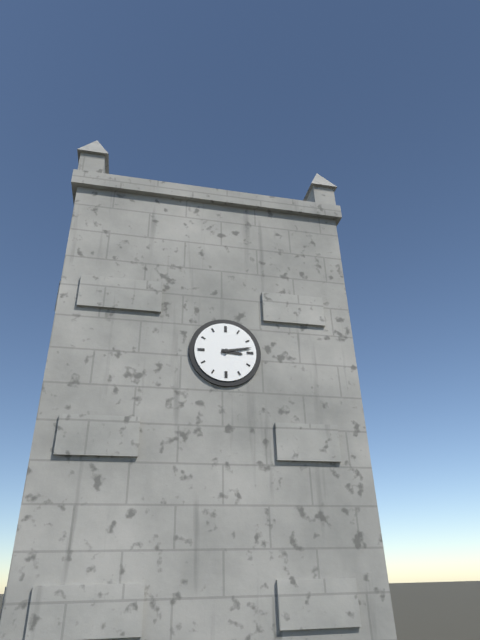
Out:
3.13
